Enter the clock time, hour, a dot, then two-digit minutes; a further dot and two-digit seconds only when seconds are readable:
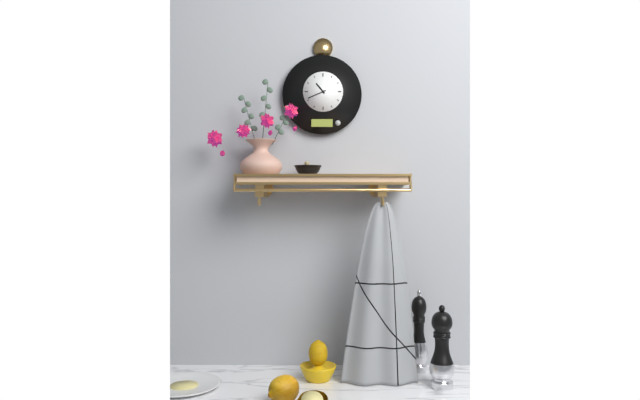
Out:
10.41
